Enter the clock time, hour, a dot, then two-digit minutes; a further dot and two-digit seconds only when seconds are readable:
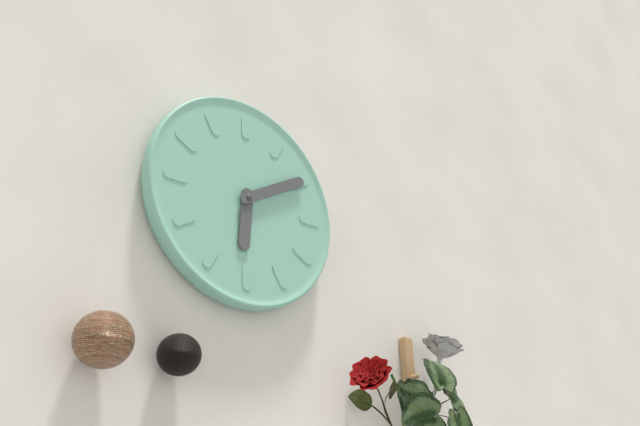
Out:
6.10
